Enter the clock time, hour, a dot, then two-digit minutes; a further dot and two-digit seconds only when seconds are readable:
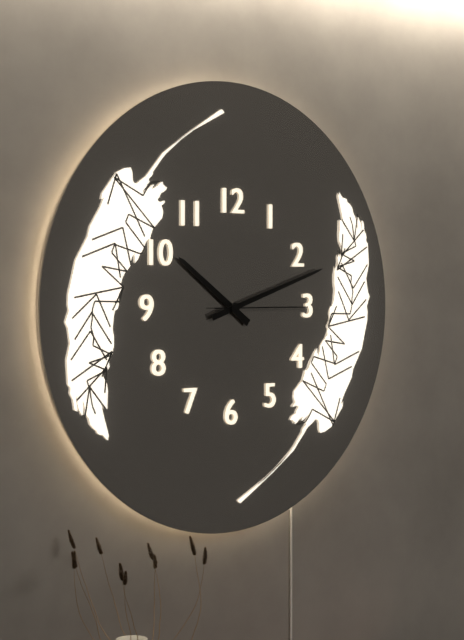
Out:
10.12.15
